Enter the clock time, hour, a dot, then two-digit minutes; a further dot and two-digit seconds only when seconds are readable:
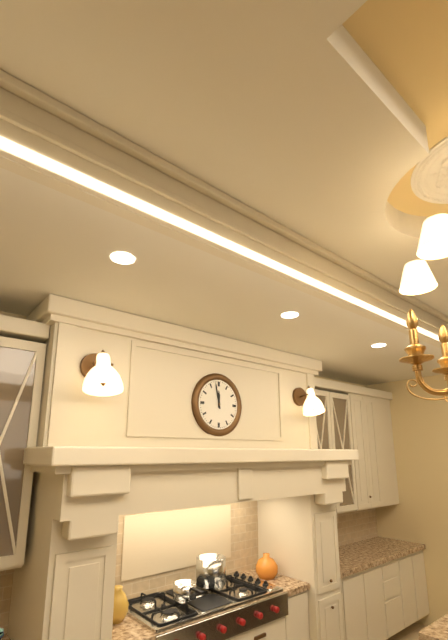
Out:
11.58
